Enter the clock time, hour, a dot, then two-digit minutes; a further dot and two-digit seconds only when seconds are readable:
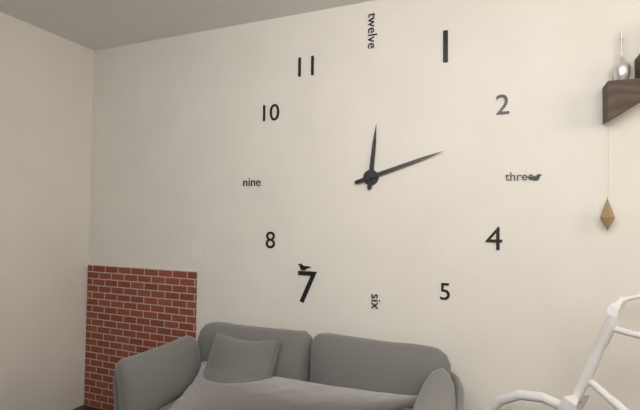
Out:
12.12
